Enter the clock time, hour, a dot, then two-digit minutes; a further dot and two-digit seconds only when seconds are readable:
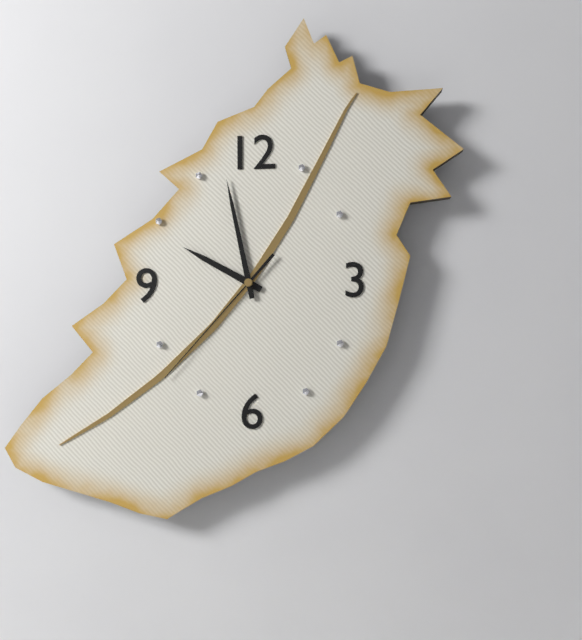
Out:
9.58.37
